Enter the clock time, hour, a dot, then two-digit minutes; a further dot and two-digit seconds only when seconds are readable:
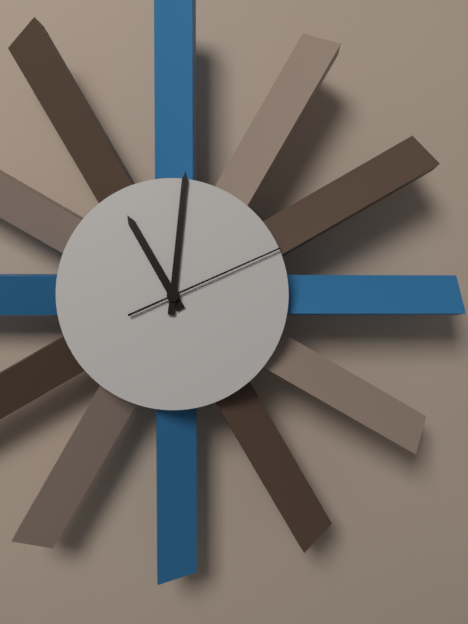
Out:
11.01.11
